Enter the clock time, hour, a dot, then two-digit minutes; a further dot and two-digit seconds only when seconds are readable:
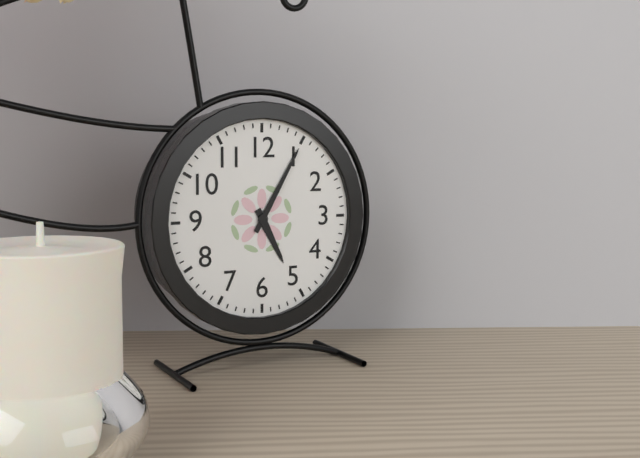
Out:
5.05
